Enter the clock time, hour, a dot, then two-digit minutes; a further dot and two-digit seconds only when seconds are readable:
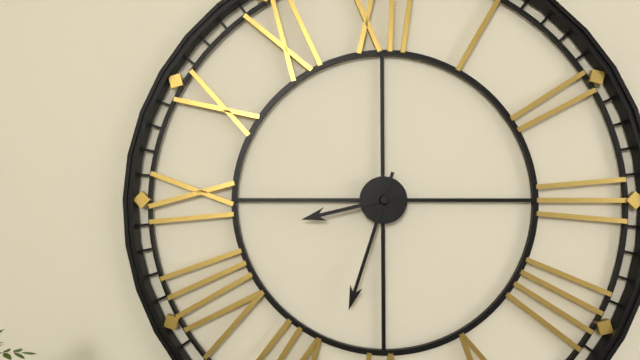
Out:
8.33
